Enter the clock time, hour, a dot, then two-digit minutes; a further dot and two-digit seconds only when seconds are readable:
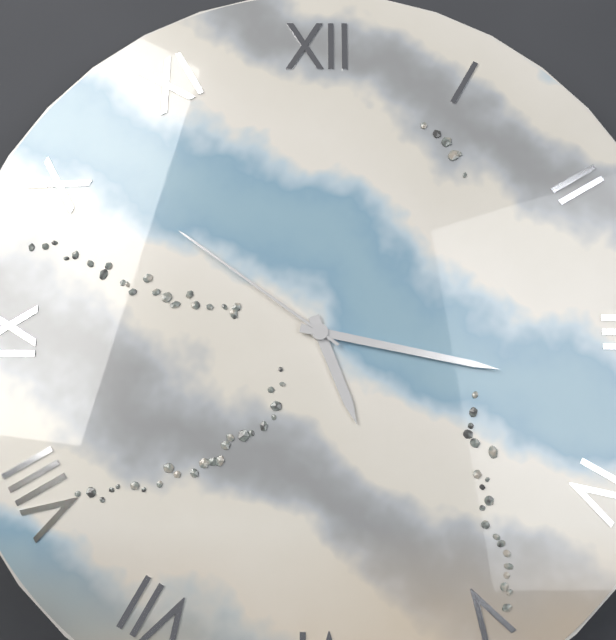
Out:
5.17.51
